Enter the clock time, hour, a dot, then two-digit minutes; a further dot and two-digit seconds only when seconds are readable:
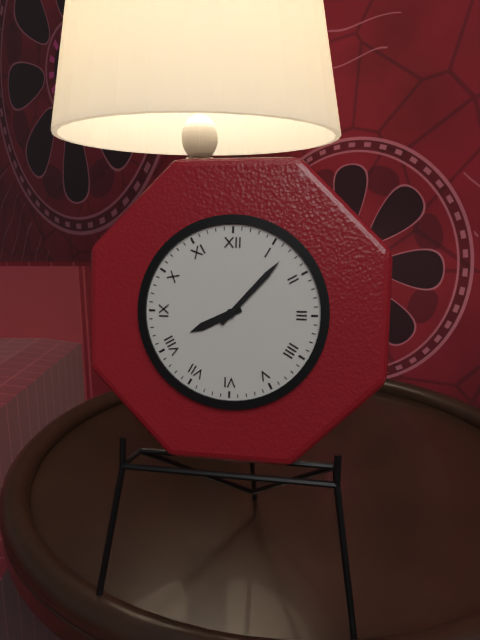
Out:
8.07
